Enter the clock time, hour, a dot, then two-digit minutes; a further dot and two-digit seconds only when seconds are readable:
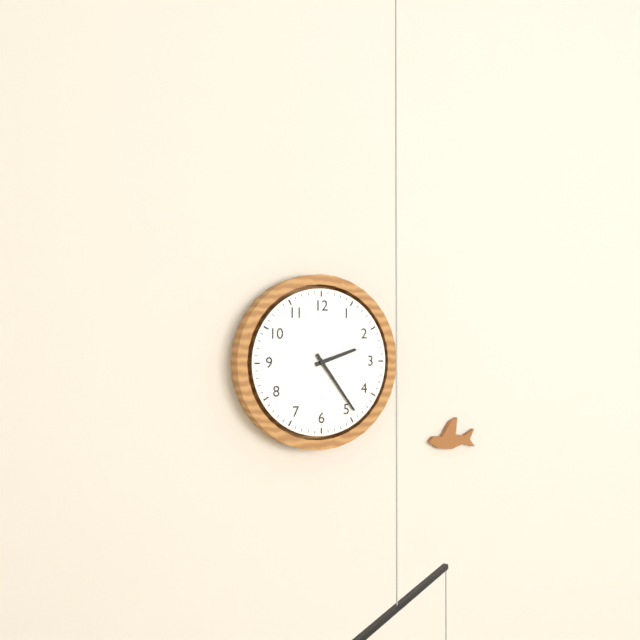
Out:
2.24
